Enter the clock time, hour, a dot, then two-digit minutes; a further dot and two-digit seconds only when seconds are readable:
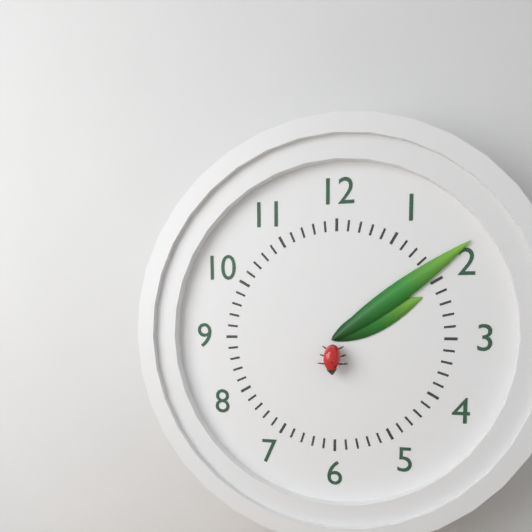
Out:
2.09
